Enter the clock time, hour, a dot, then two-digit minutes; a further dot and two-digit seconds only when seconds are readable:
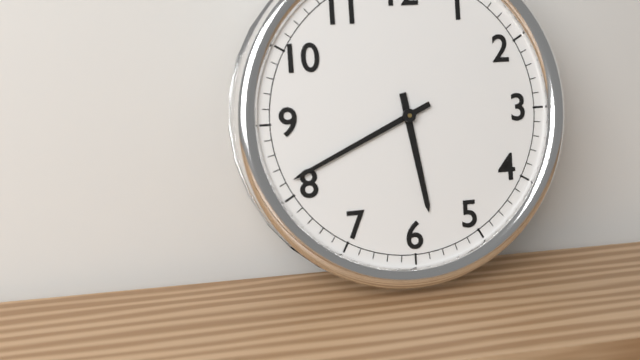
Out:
5.41
